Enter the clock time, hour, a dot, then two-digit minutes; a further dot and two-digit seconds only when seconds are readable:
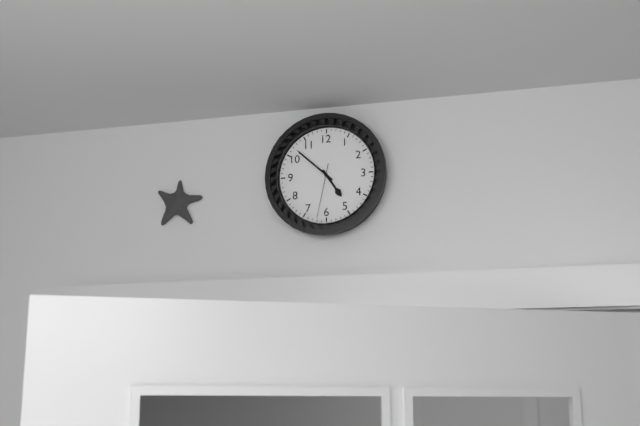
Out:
4.52.32
